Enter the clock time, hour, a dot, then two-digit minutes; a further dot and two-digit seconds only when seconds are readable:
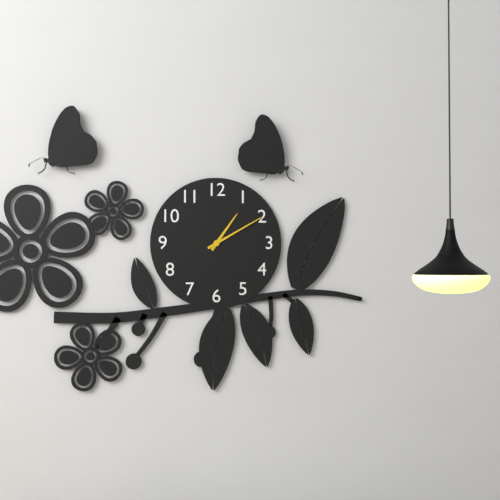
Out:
1.10
